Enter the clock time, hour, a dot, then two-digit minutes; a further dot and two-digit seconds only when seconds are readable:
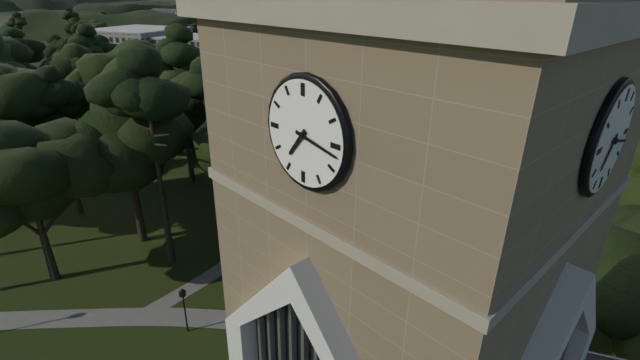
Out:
7.17
